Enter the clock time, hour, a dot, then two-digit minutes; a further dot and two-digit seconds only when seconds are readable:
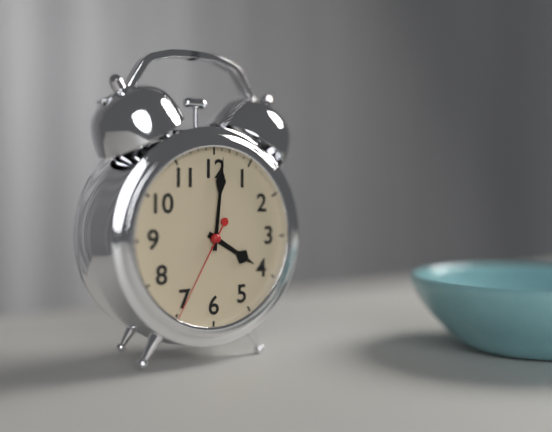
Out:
4.01.35
